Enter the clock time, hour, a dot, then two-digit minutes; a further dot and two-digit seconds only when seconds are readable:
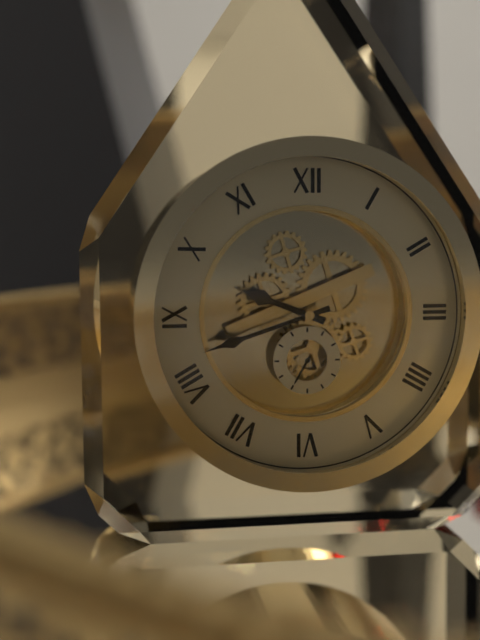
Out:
9.42
